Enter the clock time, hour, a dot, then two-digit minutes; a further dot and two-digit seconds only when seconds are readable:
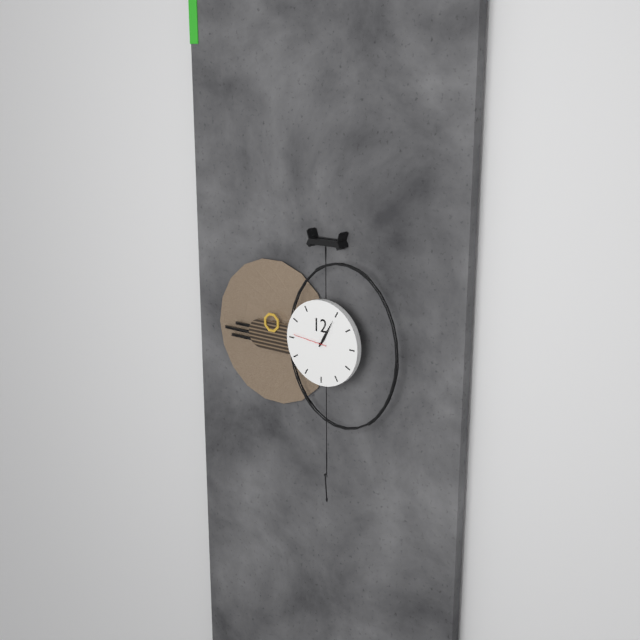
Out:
1.05
